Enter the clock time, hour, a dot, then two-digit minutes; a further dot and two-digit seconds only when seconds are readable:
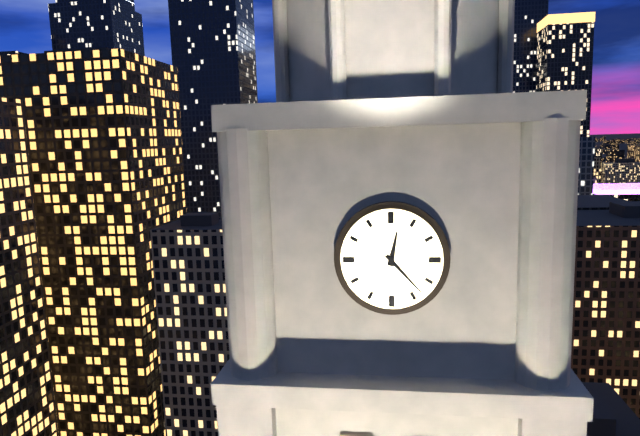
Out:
12.23
